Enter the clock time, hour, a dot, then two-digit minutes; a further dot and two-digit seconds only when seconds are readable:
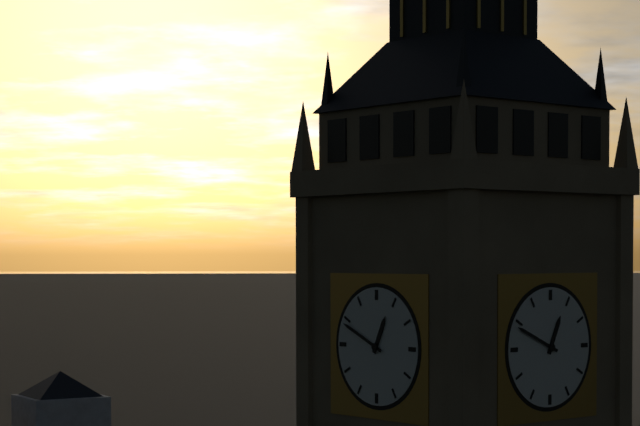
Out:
12.49
